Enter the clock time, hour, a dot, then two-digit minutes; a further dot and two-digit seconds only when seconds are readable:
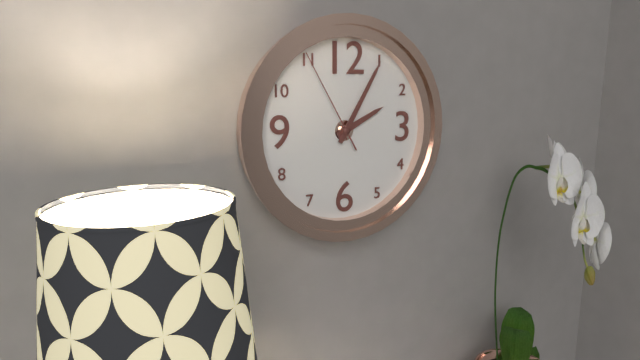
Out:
2.05.55
